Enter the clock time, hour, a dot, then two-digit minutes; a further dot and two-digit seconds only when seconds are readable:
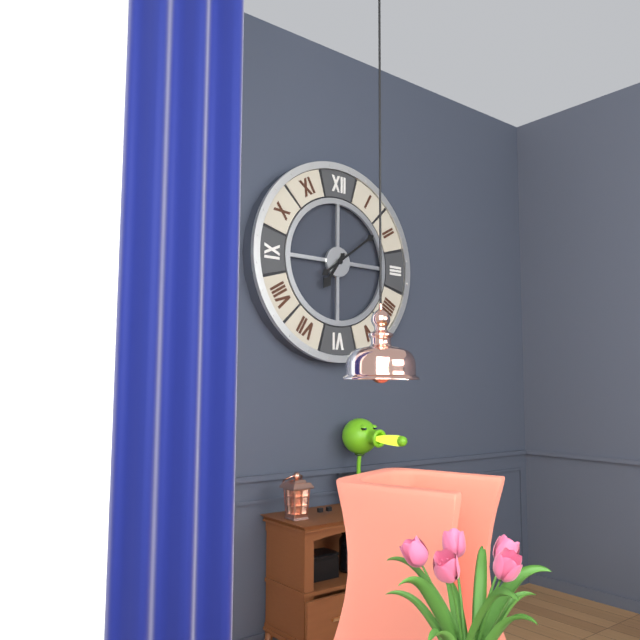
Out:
7.09
